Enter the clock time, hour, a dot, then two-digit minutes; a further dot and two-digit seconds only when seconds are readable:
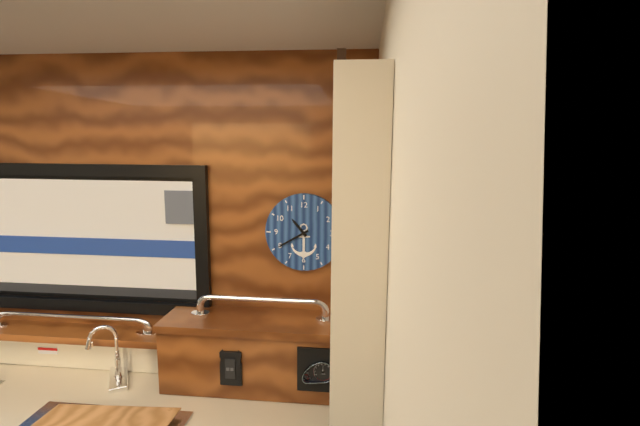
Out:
10.40
